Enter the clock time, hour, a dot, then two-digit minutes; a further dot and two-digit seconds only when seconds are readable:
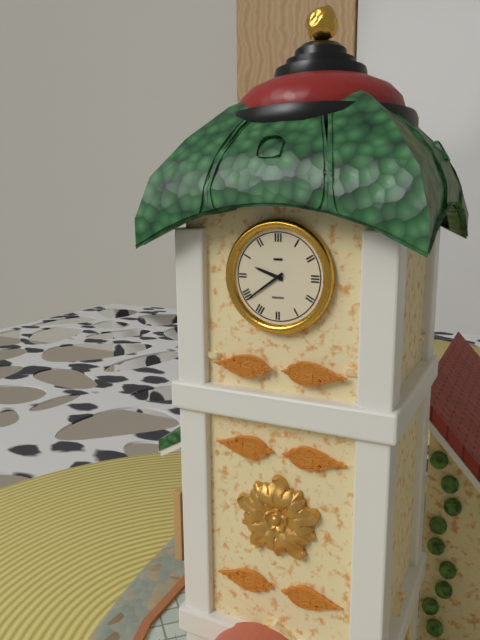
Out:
9.39
